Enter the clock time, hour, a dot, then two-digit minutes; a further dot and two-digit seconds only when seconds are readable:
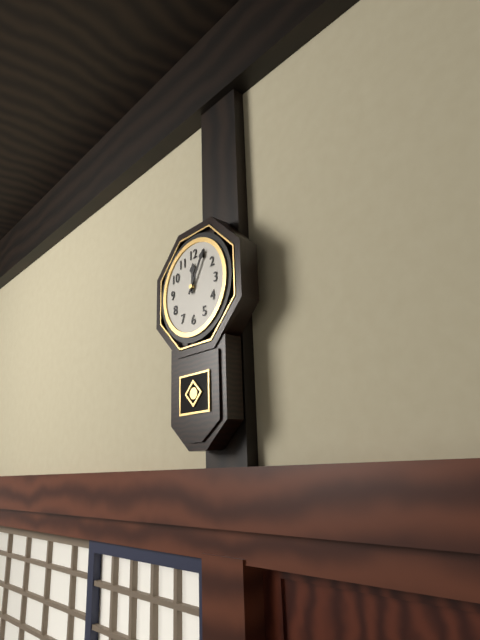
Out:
12.05
